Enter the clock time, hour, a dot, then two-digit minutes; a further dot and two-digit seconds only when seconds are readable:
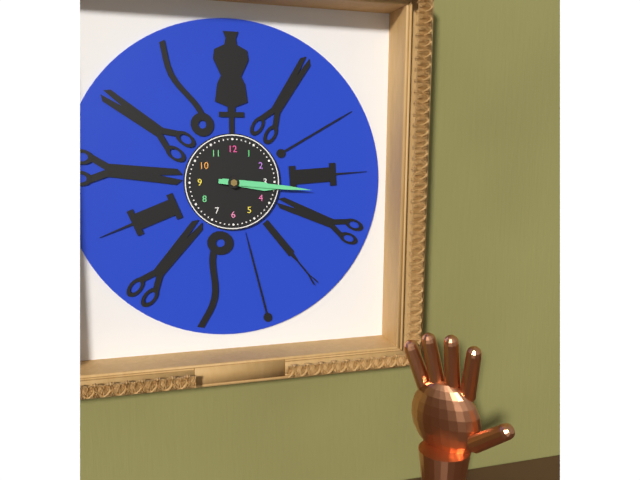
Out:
3.16
